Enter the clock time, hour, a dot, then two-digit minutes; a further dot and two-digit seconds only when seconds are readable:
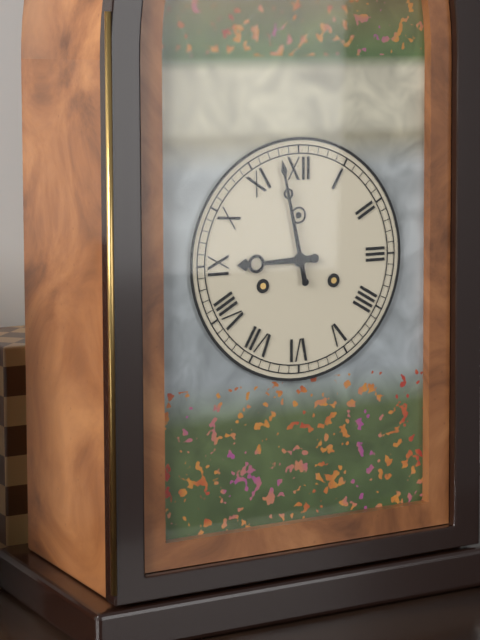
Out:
8.58
